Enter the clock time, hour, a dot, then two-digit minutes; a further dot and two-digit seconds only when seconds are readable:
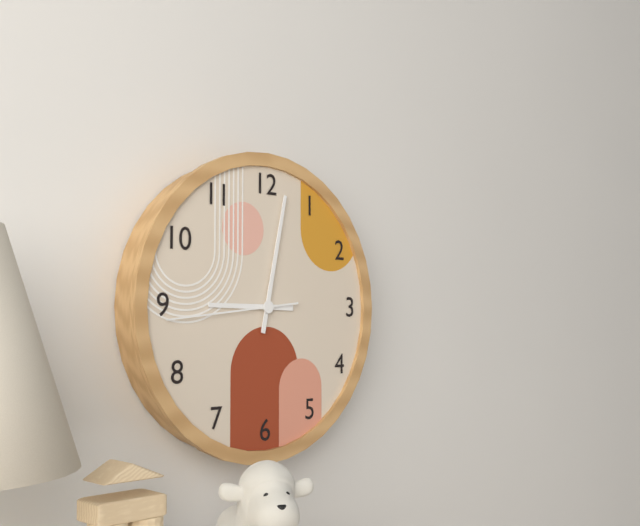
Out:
9.02.44
